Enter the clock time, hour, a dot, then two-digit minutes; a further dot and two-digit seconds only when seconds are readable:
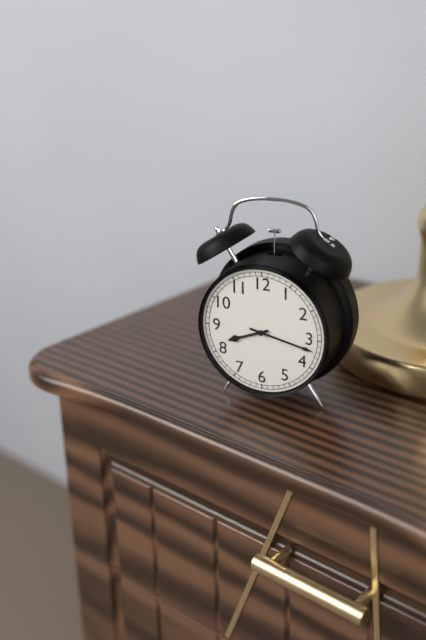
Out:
8.17
